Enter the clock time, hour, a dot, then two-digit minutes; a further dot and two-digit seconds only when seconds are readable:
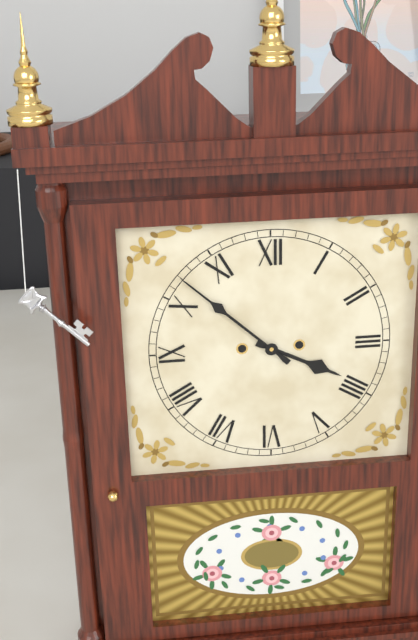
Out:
3.52
